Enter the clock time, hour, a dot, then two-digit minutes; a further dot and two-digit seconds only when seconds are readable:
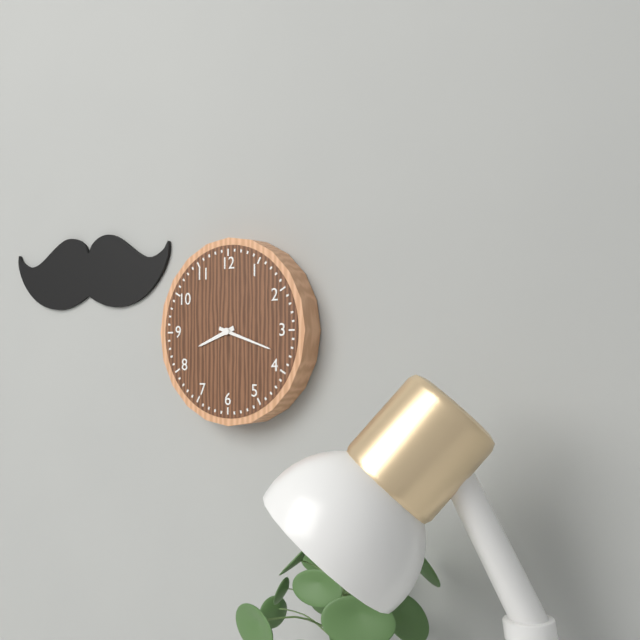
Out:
8.18
